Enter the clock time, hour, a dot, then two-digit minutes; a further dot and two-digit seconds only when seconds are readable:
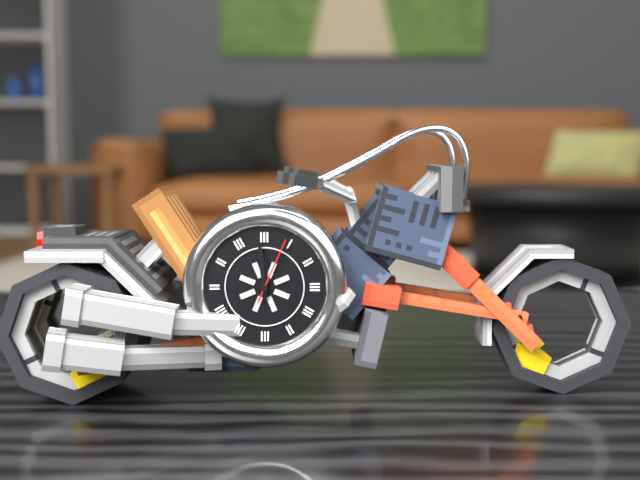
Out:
11.59.04
